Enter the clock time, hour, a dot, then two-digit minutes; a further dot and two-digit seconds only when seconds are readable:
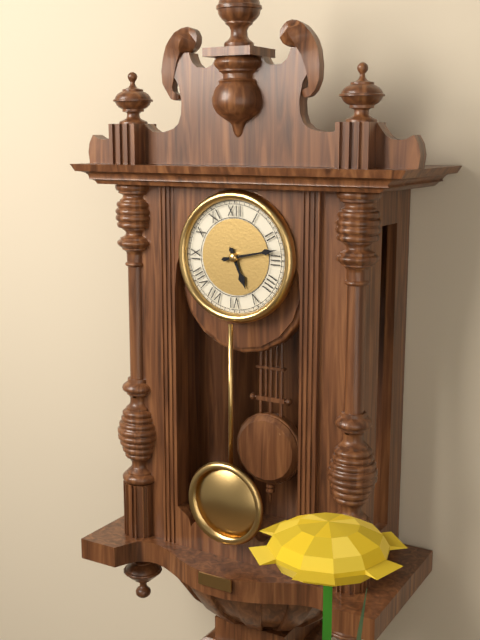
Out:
5.13
